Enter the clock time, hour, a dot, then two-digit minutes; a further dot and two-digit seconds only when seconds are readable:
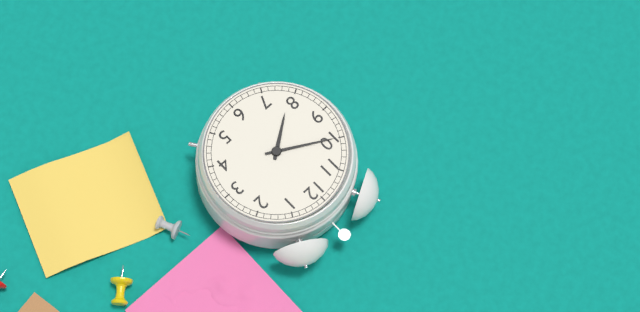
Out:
7.50
